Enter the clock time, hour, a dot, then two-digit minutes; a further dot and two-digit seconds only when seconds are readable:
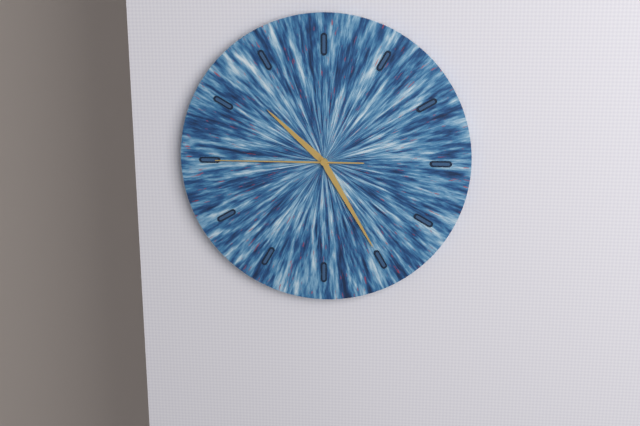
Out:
10.25.45
